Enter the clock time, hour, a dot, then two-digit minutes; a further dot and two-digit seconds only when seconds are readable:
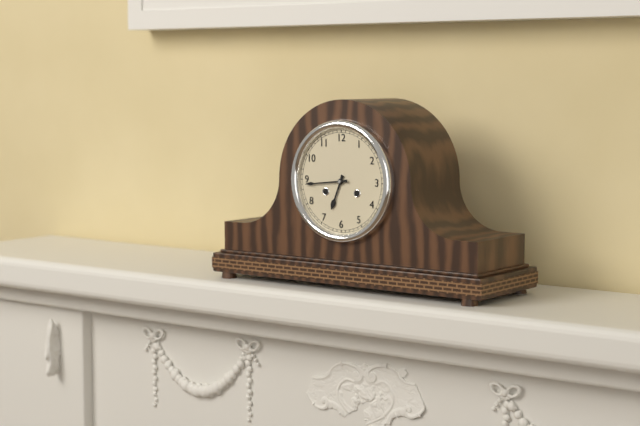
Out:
6.44
